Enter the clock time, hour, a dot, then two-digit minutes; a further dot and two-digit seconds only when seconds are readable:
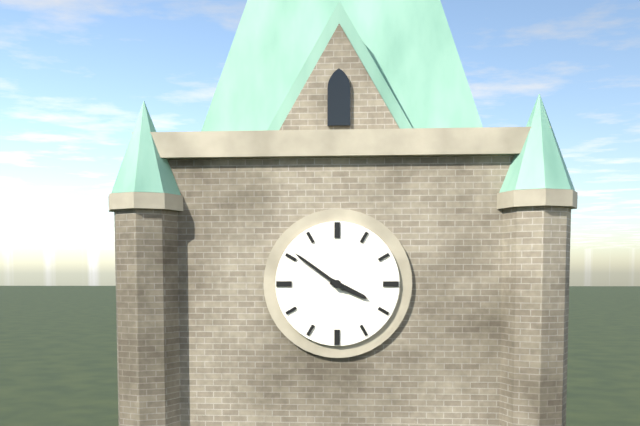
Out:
3.51
